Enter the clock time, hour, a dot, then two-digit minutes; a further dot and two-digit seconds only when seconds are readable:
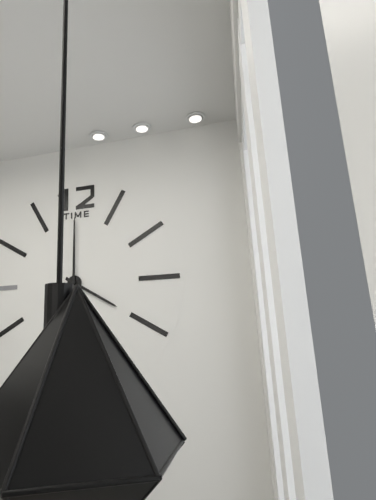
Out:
4.00
